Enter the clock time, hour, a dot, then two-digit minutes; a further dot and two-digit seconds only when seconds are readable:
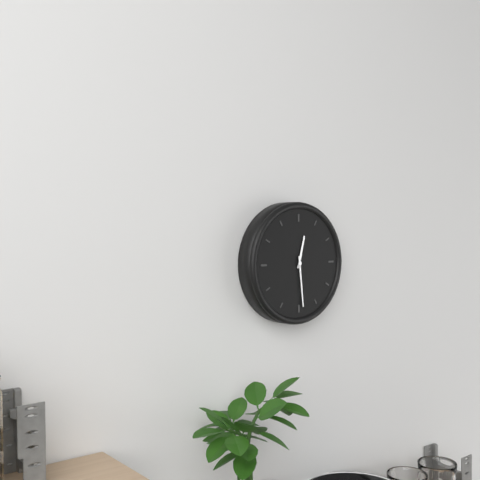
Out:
12.29
